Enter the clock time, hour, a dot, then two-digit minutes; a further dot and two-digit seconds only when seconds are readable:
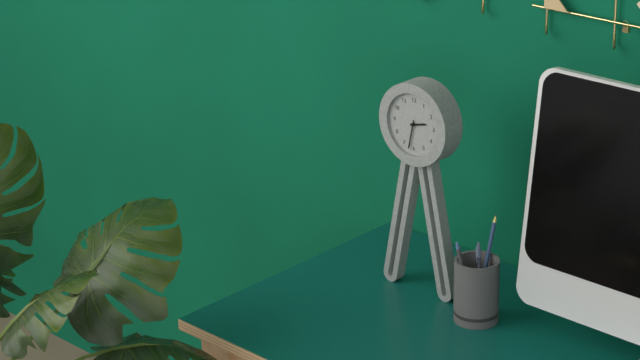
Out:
2.32
